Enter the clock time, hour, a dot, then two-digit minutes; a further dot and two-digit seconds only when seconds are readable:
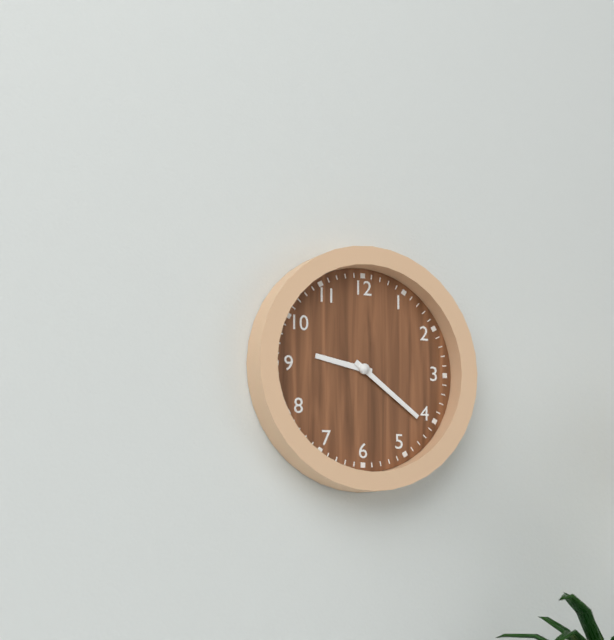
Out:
9.21
